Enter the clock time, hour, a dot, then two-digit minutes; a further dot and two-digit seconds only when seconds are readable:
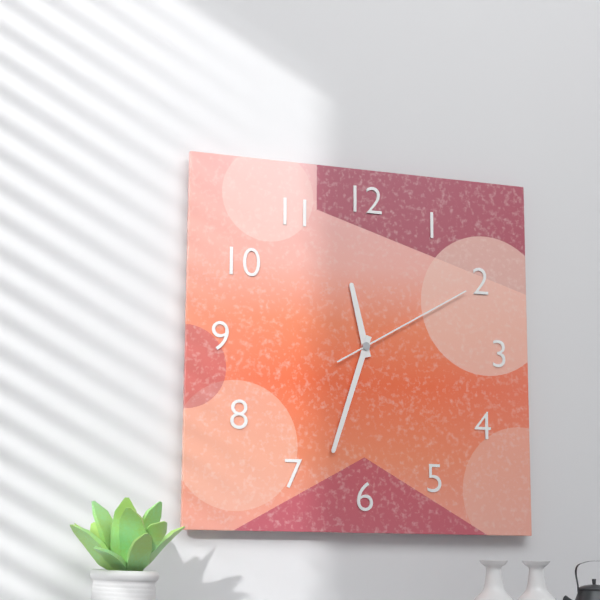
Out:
11.33.10
